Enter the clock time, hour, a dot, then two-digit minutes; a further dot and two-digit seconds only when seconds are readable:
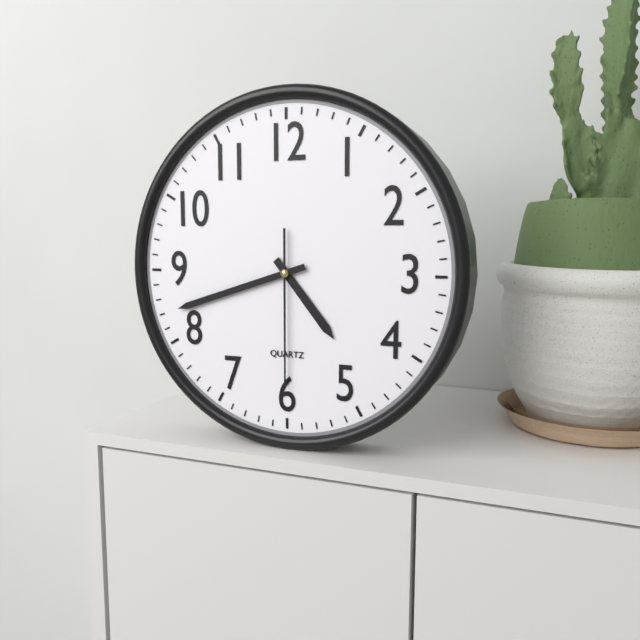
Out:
4.42.30
